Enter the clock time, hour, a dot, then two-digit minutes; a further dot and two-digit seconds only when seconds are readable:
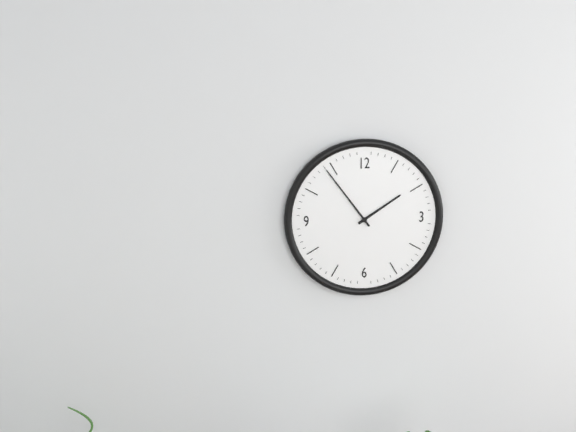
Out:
1.54
